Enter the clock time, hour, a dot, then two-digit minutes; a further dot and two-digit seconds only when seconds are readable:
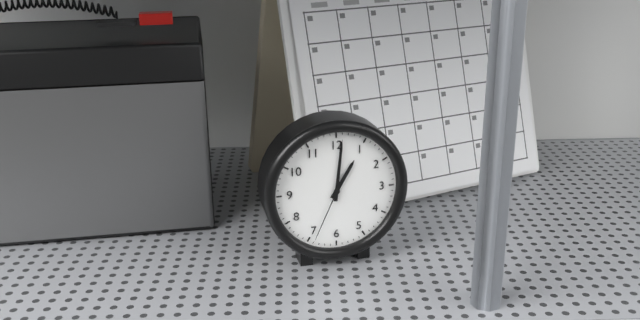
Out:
1.01.34
